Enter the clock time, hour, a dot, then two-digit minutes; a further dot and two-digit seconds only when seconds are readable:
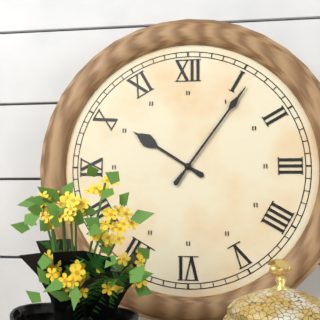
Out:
10.06
